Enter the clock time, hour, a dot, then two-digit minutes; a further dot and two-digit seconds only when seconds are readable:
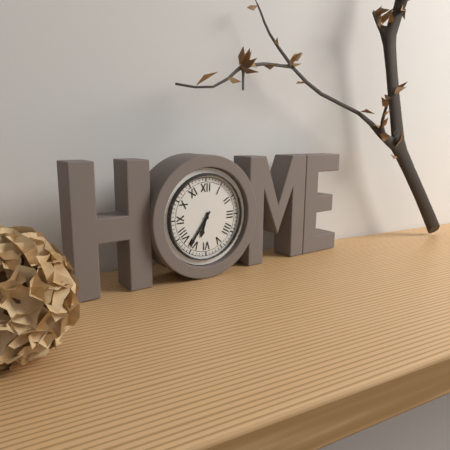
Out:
6.36
